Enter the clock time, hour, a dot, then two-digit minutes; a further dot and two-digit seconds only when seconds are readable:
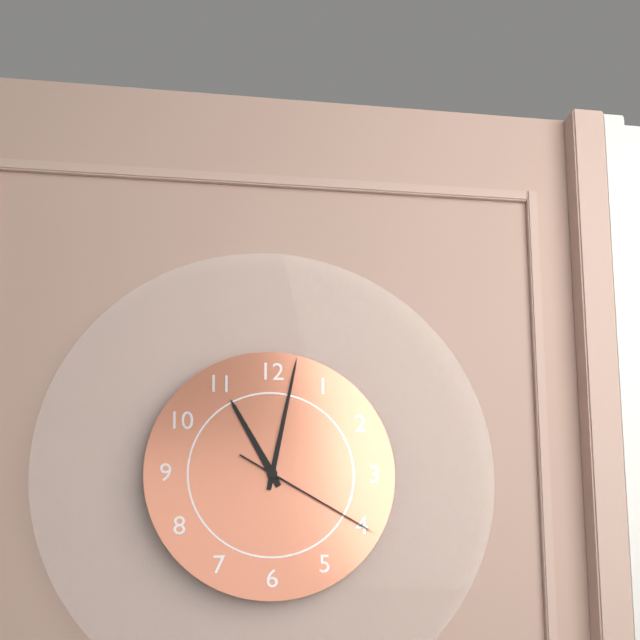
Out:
11.02.20
